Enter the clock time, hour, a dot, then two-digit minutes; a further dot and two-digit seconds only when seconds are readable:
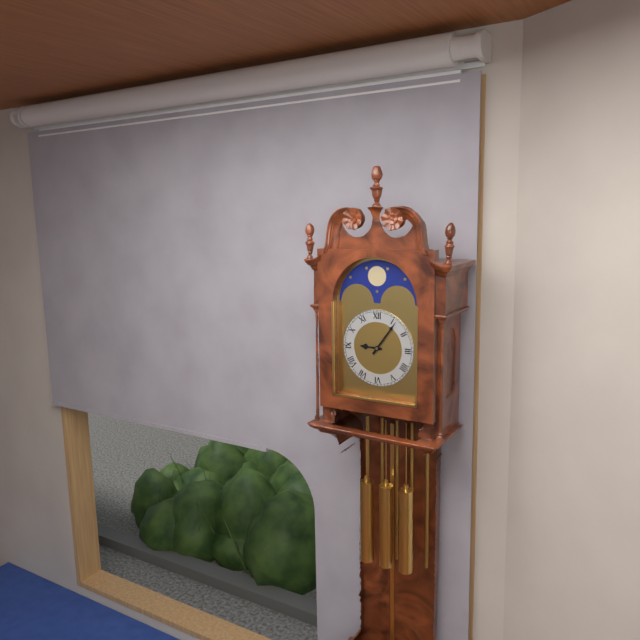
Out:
9.06
